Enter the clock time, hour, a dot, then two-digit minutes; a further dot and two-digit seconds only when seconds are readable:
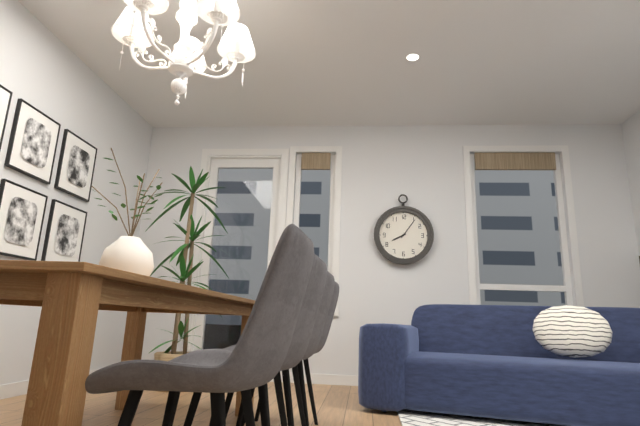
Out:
8.06
